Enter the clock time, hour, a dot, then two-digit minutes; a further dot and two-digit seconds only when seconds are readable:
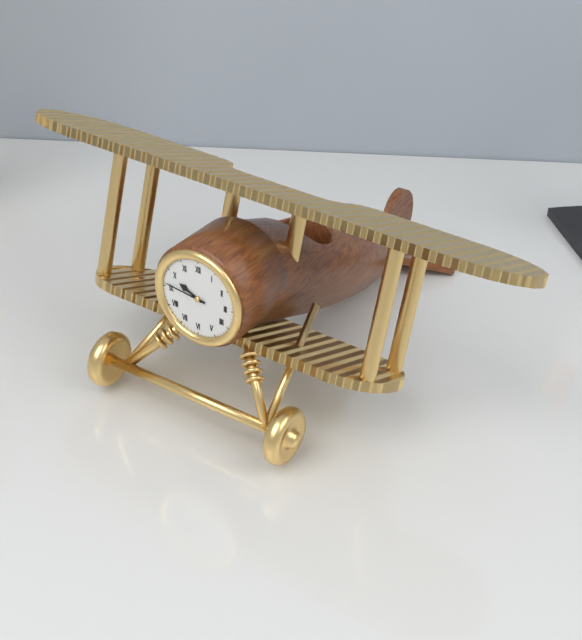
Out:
9.46
